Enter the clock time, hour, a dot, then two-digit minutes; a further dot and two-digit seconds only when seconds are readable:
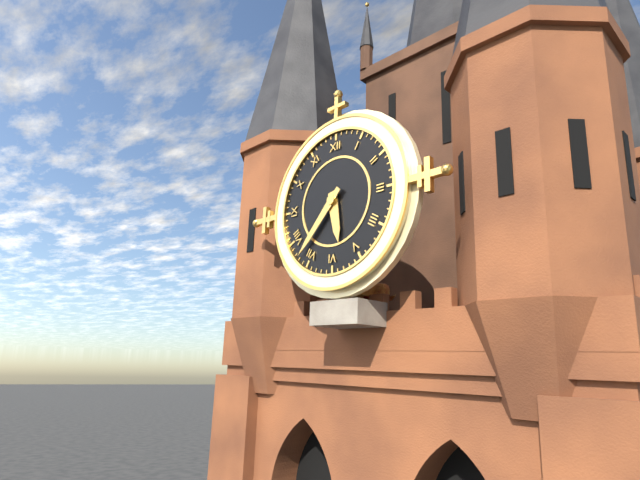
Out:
5.37
